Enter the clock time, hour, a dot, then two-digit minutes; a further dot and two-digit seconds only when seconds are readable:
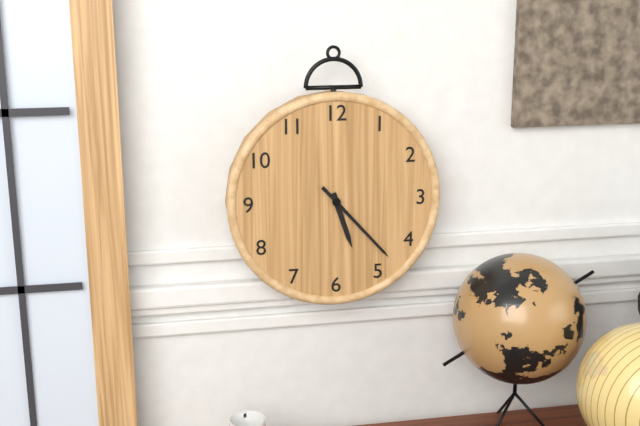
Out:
5.23
